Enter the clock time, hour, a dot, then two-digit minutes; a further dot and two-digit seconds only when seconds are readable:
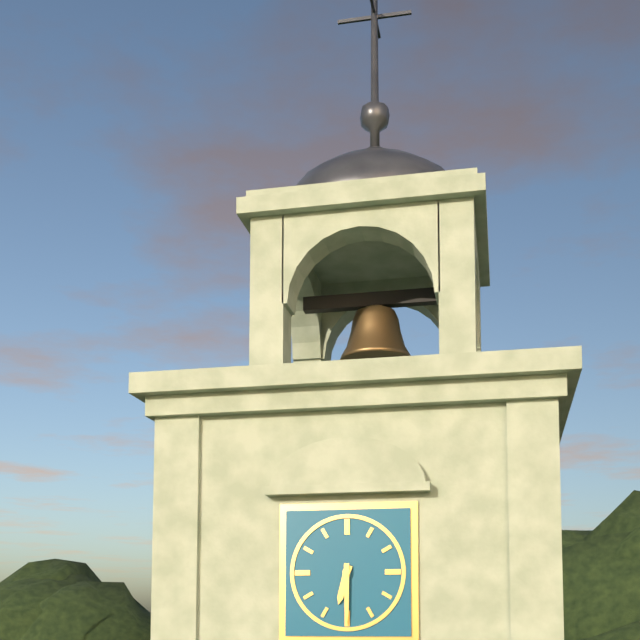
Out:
6.30
